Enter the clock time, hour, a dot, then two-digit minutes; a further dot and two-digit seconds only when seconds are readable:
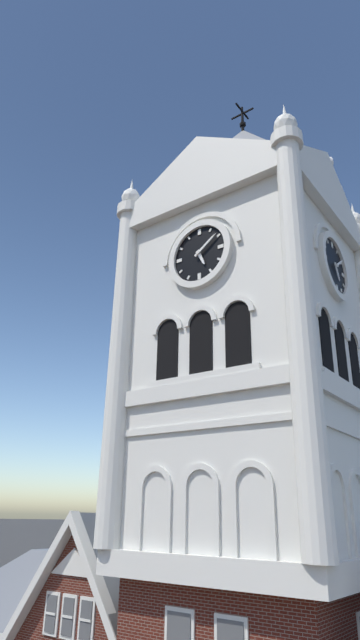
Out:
5.09
